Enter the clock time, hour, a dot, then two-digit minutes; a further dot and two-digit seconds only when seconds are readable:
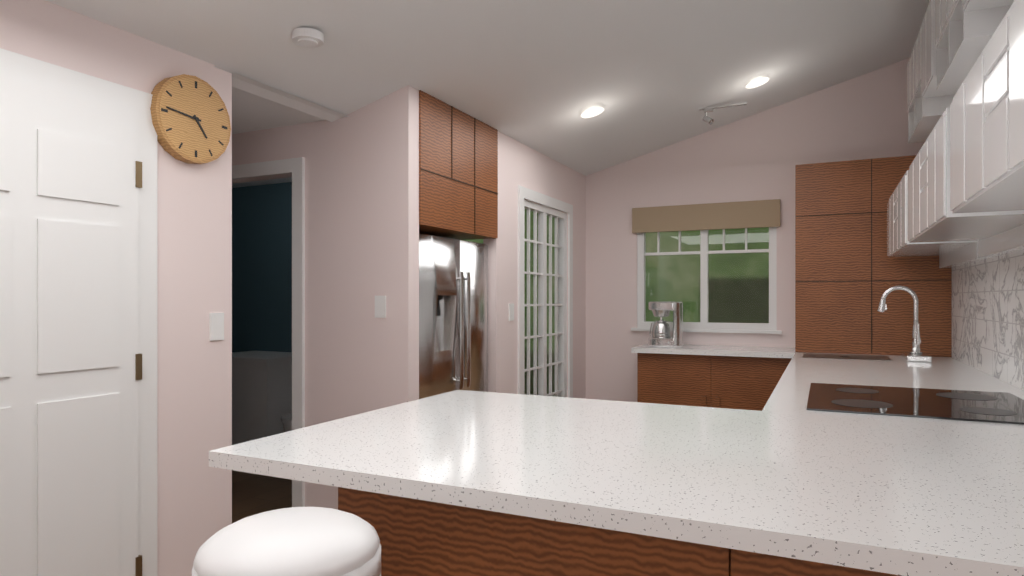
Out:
4.46
